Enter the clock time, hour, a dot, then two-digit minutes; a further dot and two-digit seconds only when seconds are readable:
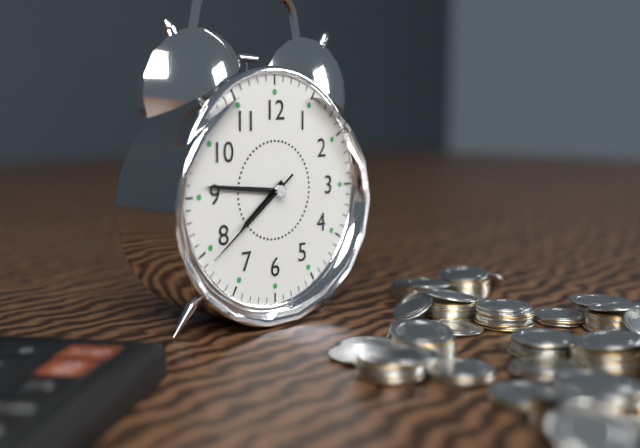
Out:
7.46.39
